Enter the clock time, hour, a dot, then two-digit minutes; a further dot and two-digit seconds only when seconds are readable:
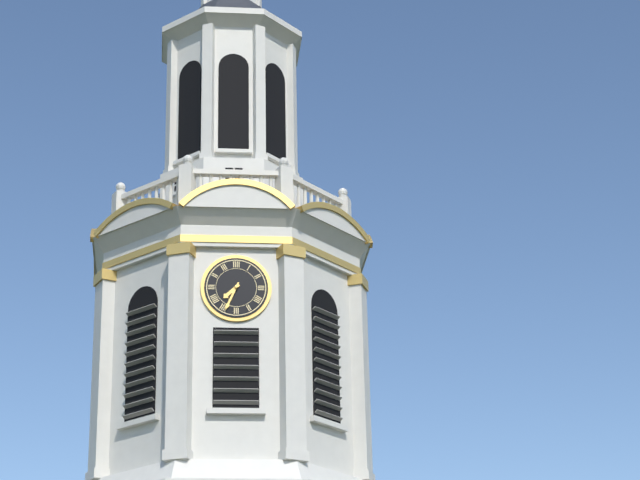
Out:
7.34
